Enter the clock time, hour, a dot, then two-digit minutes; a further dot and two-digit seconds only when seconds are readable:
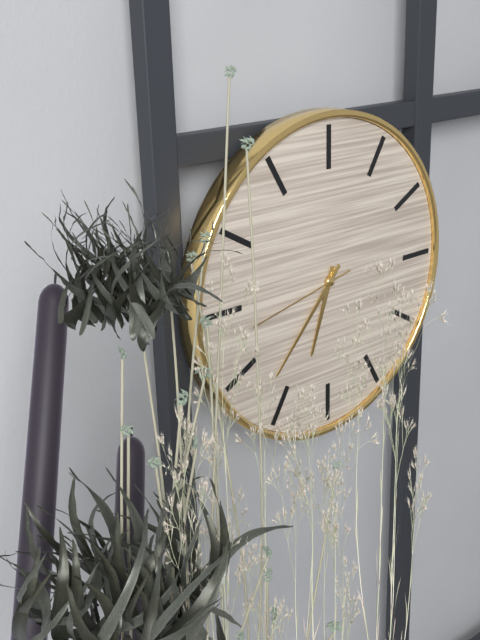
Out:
6.37.43
